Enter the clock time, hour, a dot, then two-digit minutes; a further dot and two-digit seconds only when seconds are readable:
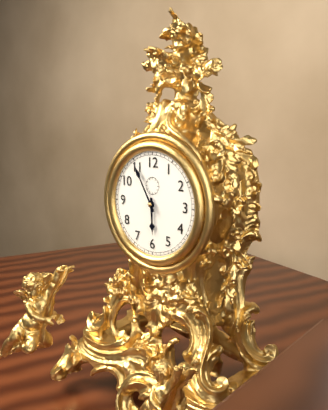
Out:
5.55
